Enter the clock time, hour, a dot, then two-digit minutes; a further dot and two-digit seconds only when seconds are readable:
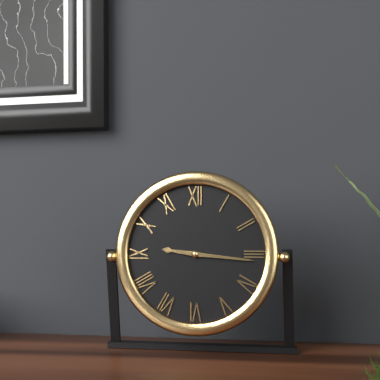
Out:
9.16
